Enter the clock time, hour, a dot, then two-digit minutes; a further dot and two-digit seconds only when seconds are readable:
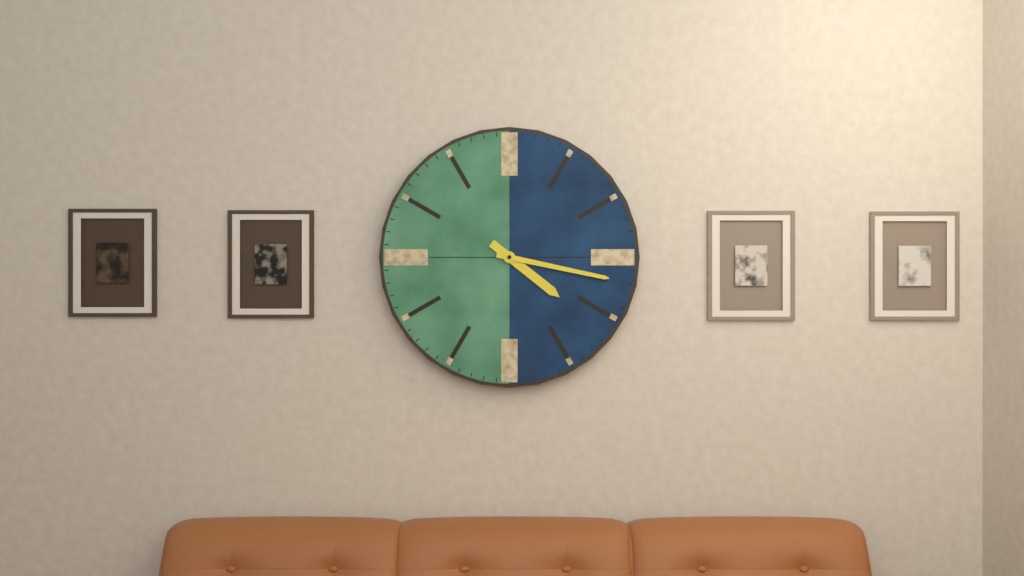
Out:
4.17
